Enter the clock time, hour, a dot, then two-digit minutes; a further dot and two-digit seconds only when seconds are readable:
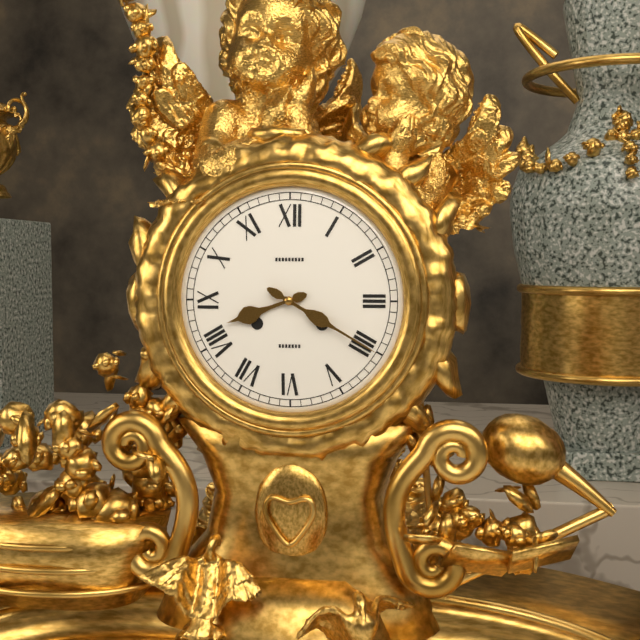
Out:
8.20
